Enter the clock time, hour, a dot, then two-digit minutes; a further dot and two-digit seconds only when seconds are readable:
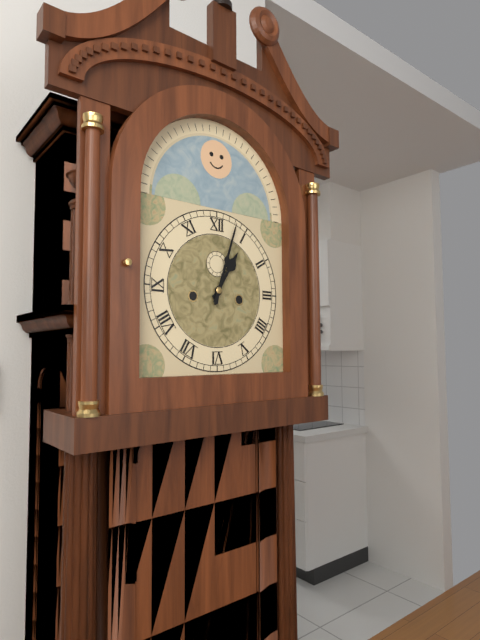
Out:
1.03
